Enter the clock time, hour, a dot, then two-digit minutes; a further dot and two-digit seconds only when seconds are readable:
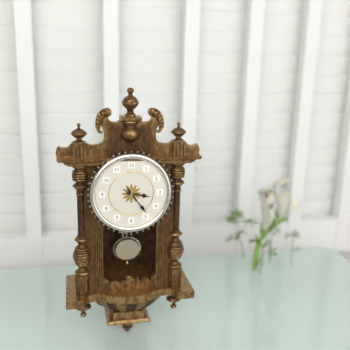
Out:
3.24
